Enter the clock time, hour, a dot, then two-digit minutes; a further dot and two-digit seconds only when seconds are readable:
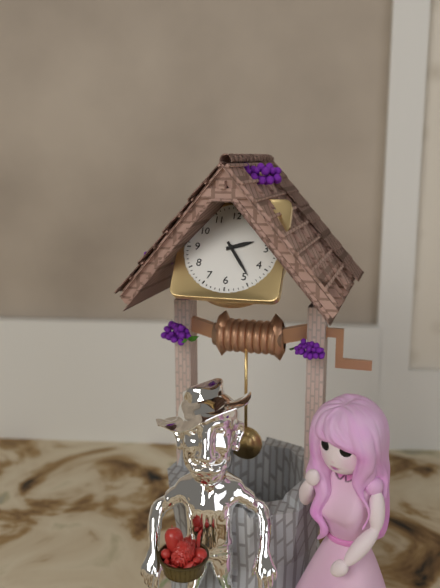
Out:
2.24
